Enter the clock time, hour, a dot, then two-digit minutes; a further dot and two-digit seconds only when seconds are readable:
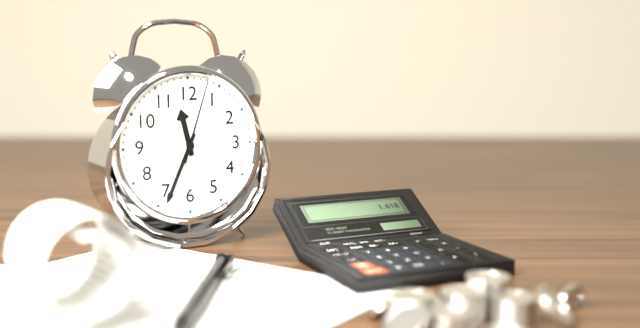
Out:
11.34.03
